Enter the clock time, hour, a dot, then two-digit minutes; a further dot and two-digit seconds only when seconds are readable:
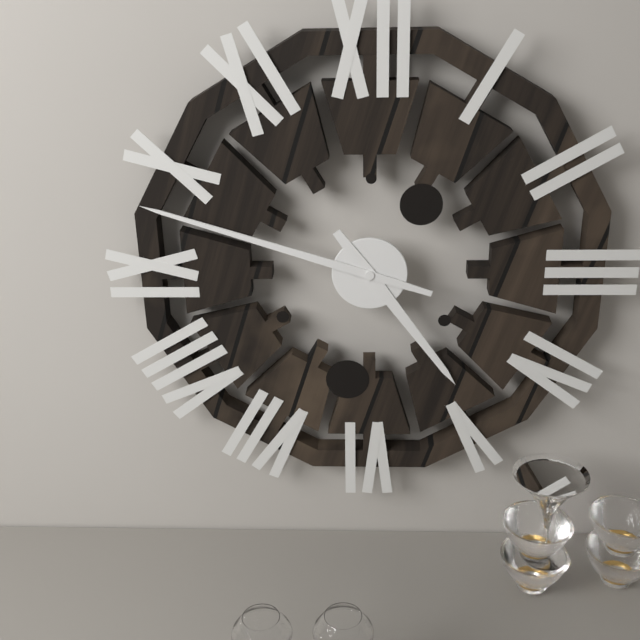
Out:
4.48
